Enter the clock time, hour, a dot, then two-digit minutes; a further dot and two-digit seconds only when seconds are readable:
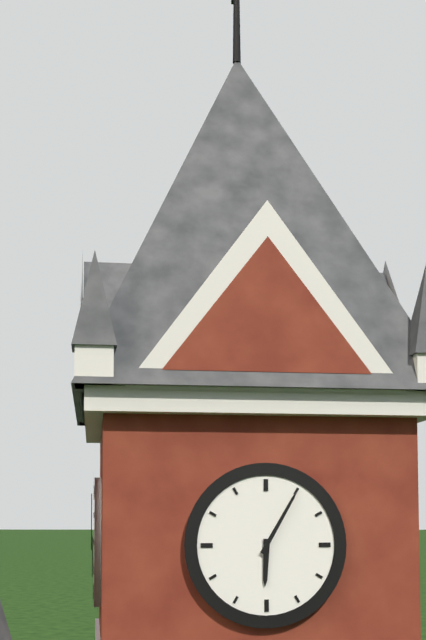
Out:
6.05
